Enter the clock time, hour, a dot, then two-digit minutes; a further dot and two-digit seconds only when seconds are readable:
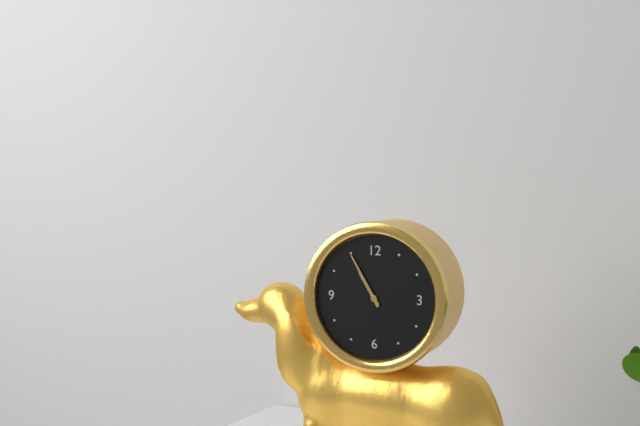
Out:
10.55
